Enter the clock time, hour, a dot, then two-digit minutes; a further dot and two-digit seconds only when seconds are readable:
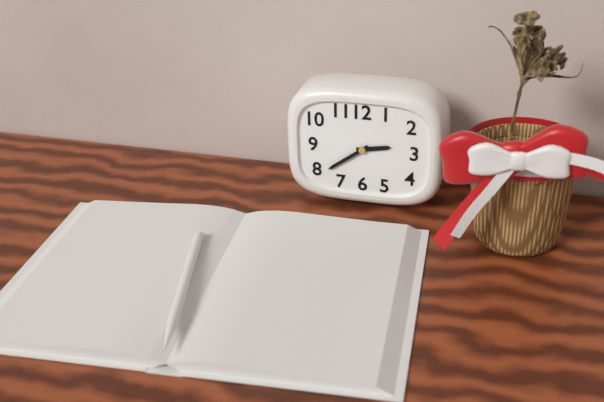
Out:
2.39
